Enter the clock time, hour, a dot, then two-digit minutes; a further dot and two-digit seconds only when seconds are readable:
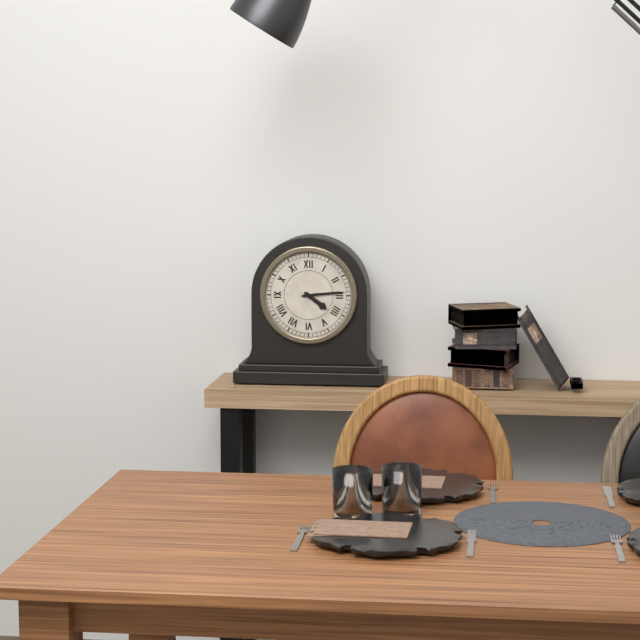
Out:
4.14
